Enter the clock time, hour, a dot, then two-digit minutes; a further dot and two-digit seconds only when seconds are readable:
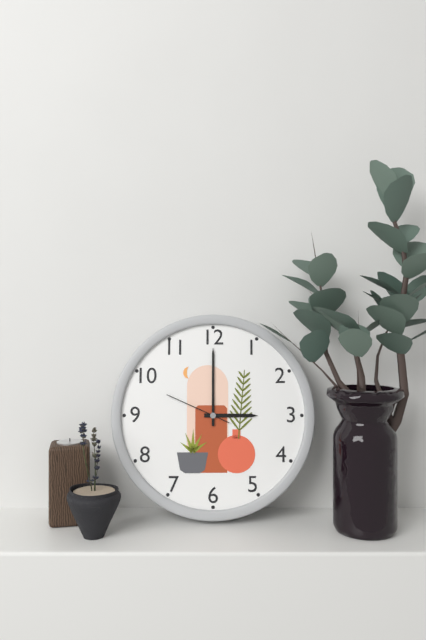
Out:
3.00.49
